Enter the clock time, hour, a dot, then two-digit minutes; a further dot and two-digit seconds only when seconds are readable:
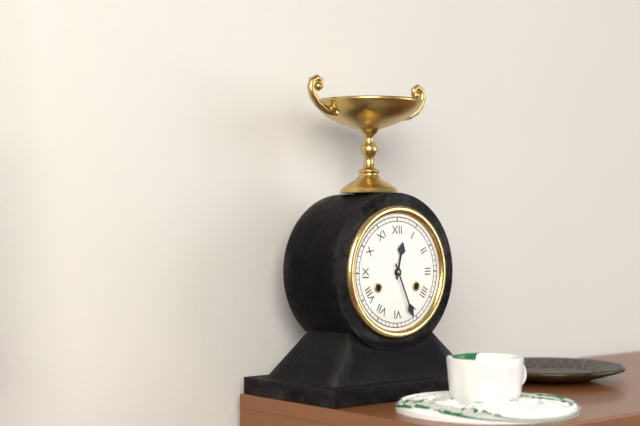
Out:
12.26
